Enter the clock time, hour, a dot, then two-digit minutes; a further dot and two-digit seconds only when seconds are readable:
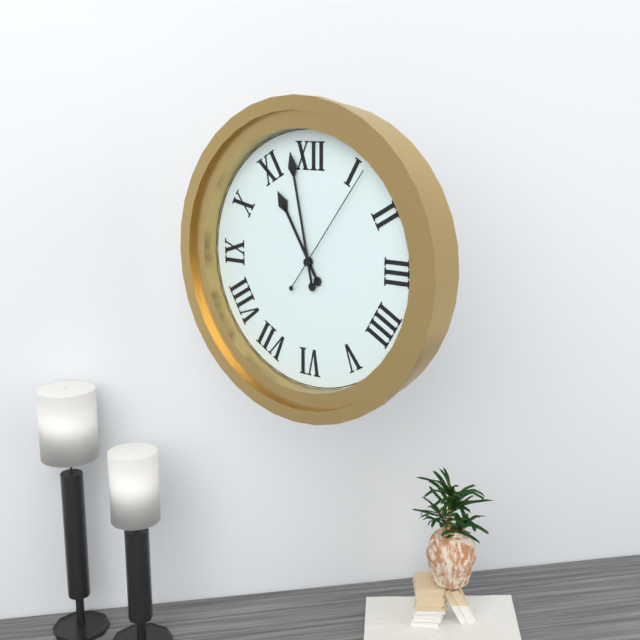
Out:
10.58.06
